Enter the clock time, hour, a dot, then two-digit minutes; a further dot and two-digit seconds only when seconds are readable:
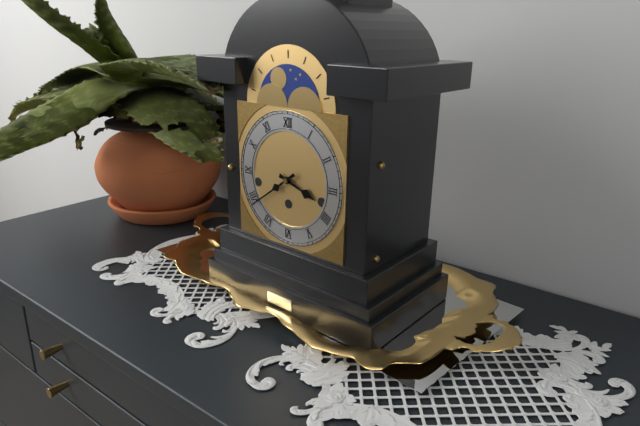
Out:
3.39
